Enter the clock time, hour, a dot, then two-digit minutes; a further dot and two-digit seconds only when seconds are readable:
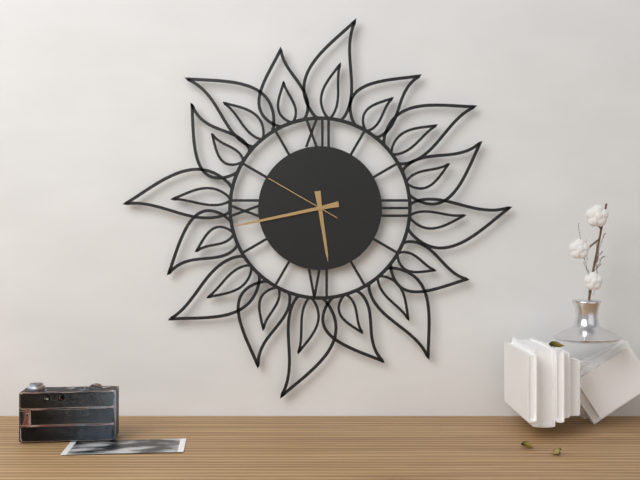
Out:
5.43.50
